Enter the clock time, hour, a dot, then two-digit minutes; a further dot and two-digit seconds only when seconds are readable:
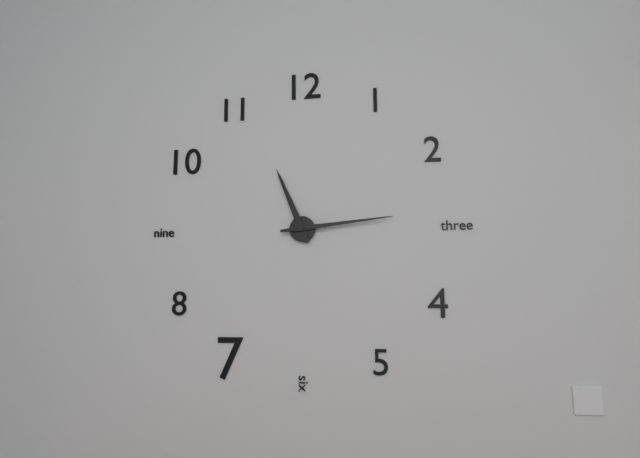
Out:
11.14
